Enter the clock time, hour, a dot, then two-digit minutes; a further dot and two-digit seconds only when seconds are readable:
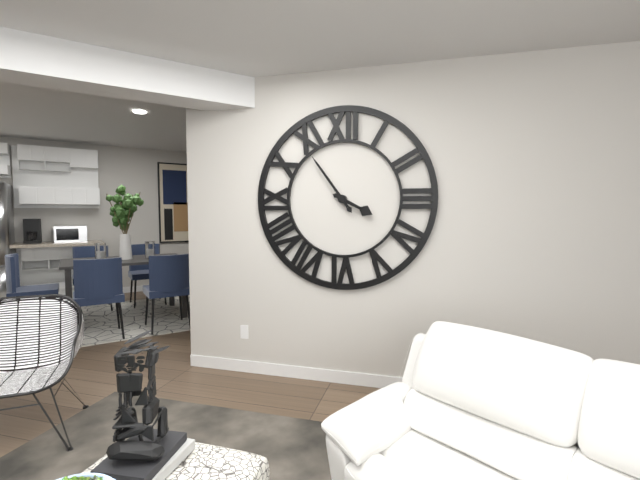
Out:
3.54
